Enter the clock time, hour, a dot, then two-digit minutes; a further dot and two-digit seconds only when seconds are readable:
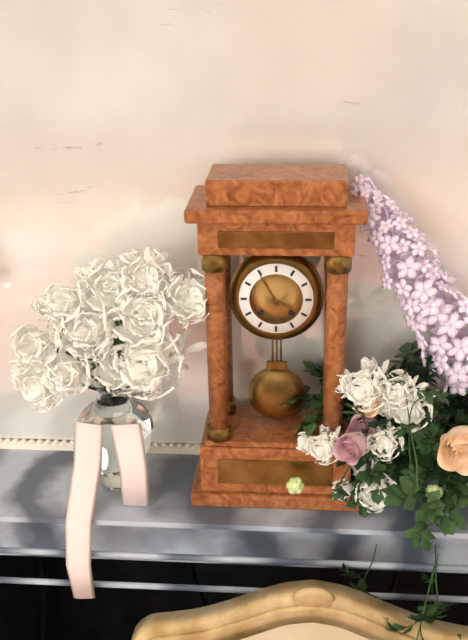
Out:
3.55
